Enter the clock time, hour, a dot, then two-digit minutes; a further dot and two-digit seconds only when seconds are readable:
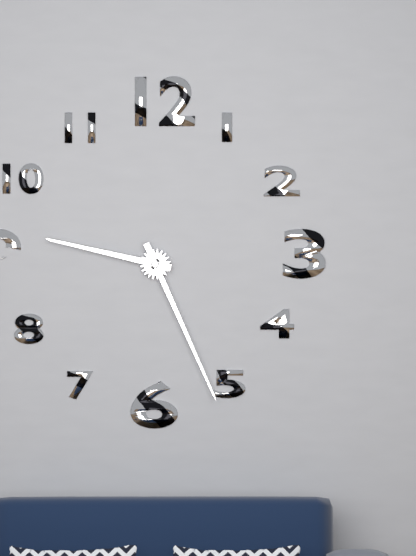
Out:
9.26
